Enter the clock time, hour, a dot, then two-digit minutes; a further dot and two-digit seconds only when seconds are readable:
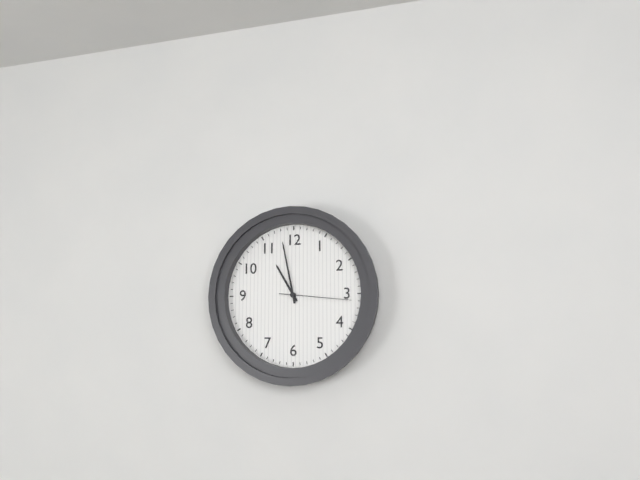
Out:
10.58.16
